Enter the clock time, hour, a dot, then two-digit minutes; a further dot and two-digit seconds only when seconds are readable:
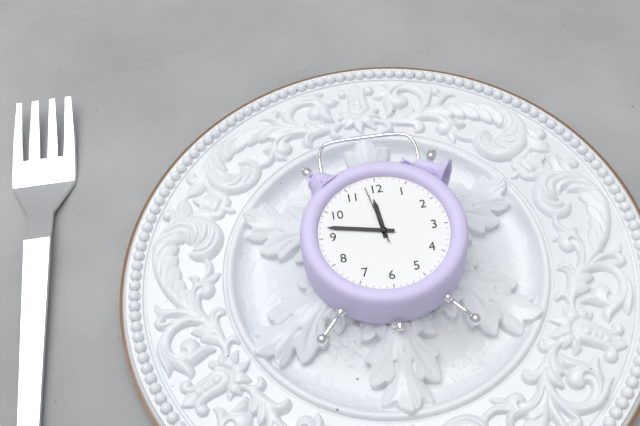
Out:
11.47.58
